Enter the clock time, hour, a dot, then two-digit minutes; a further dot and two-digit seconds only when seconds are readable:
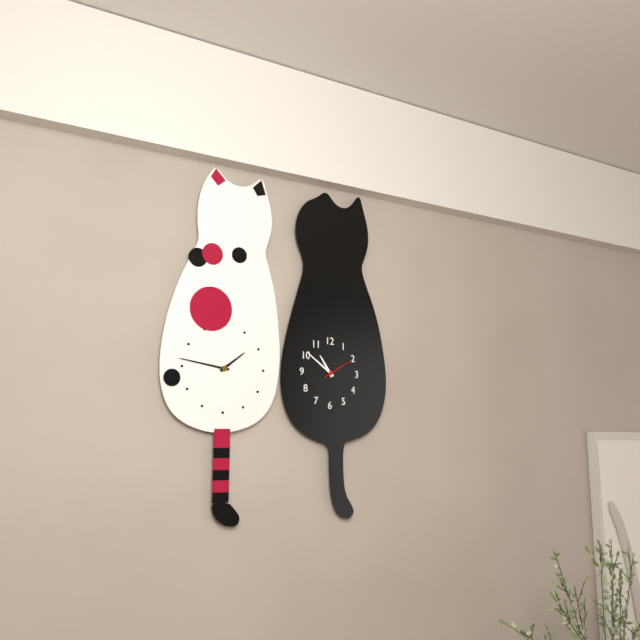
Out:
10.51
